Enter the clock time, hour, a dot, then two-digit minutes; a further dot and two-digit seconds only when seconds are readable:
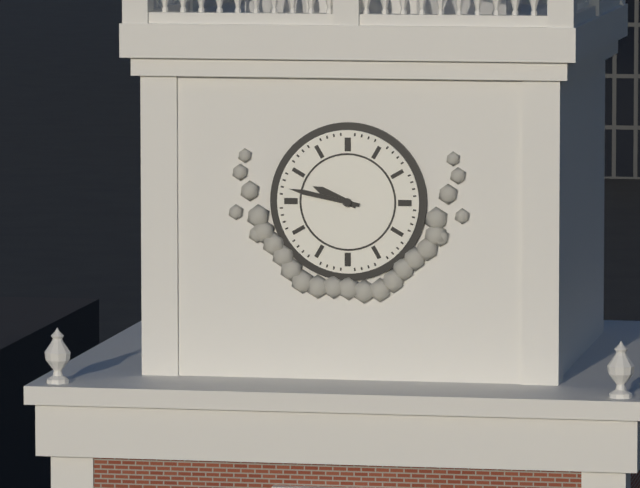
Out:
9.47
